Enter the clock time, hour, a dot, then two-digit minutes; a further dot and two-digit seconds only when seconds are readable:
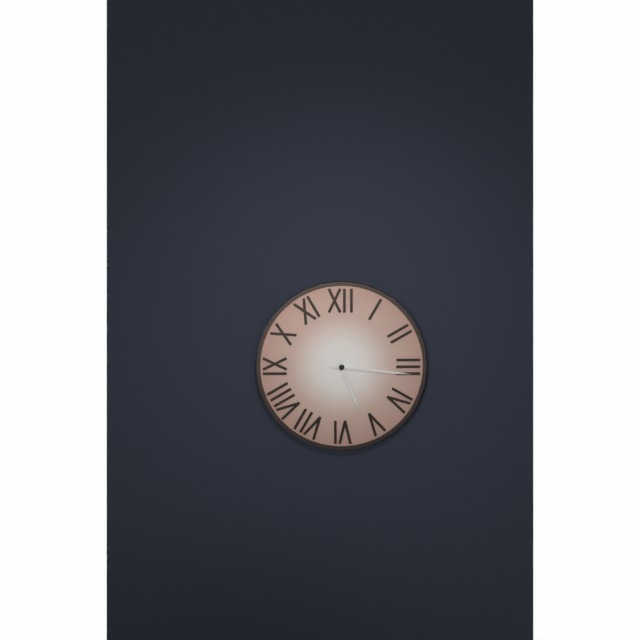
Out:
5.16
